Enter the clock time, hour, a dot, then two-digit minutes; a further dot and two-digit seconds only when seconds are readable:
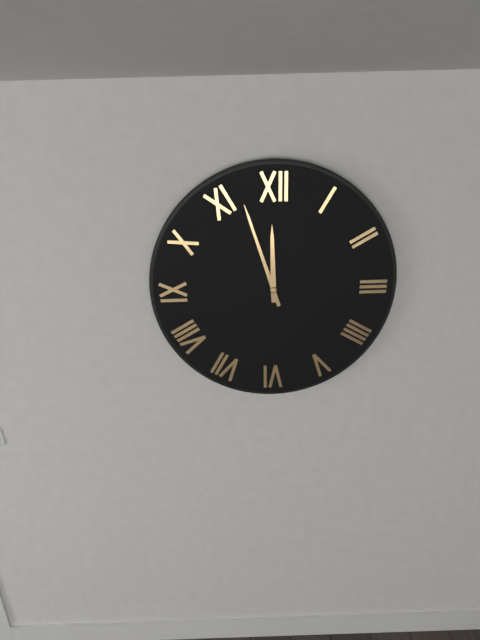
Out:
11.57
